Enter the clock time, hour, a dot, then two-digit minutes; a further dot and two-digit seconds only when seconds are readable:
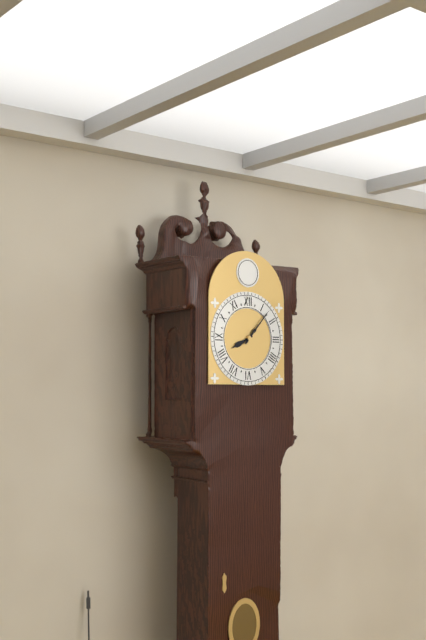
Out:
8.07
